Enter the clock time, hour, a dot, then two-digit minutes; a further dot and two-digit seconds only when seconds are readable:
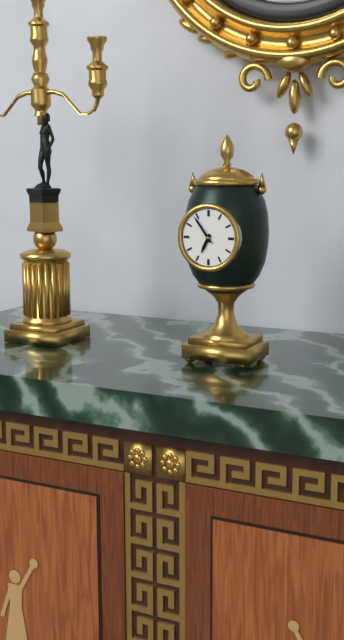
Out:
6.54
